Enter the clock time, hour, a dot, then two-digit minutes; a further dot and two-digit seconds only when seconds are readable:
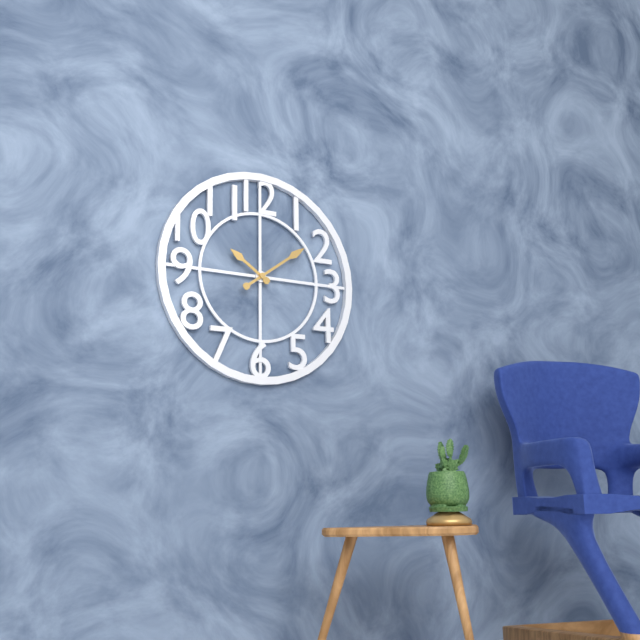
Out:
10.09
